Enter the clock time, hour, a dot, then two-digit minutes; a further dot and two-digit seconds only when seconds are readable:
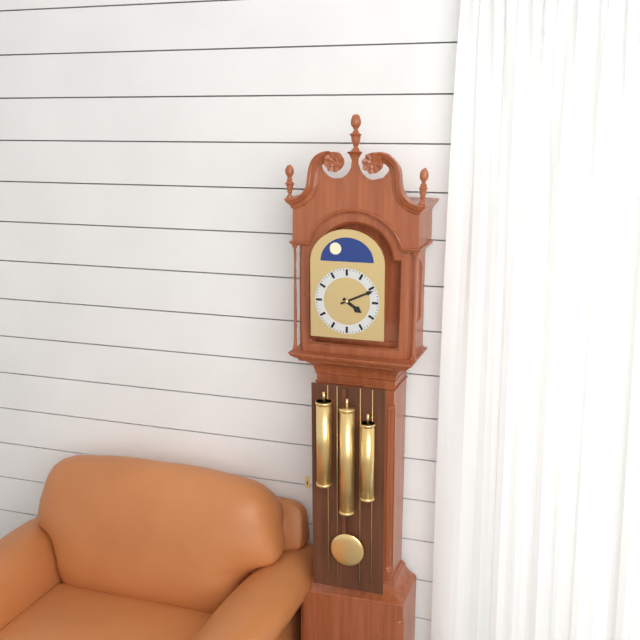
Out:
4.11
